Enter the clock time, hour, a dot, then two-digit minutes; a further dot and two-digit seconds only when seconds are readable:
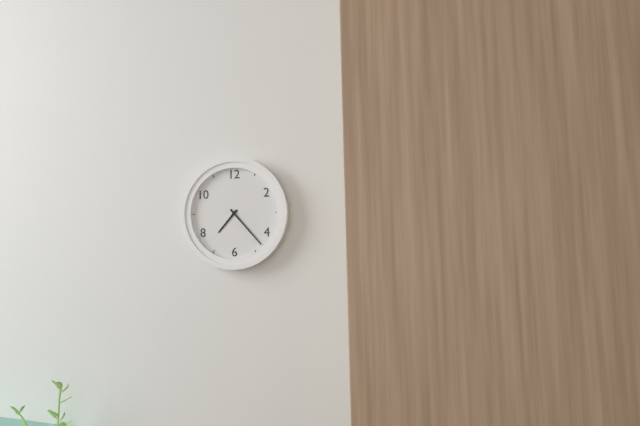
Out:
7.23
